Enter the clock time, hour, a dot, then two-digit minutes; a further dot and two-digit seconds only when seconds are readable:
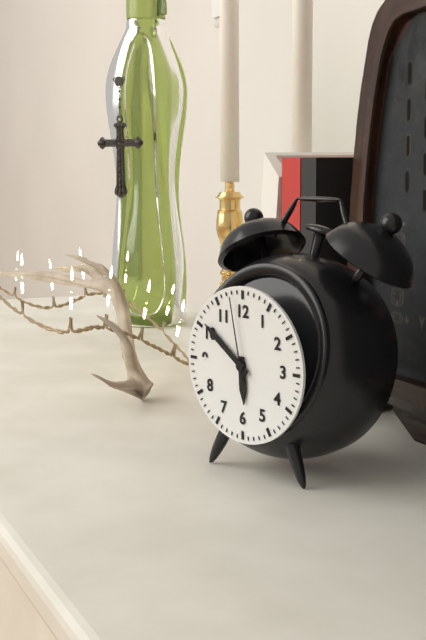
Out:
5.51.58
